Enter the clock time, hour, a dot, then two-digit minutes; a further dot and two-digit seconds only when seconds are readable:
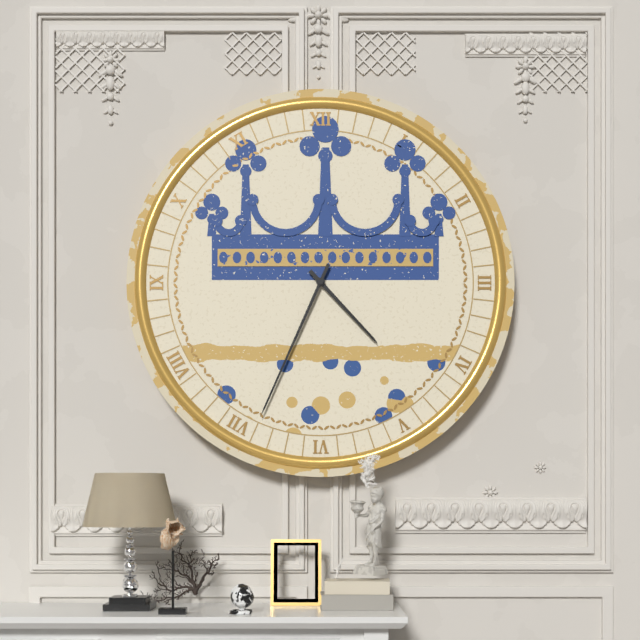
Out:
4.34
